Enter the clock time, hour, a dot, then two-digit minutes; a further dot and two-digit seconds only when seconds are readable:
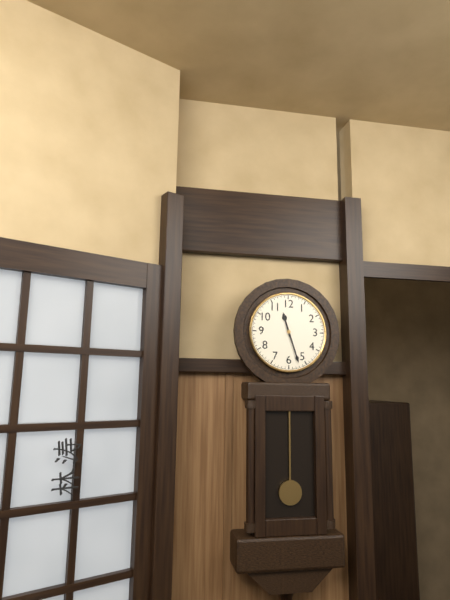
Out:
11.27
